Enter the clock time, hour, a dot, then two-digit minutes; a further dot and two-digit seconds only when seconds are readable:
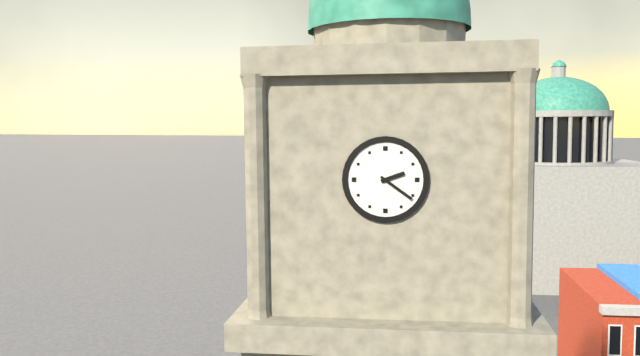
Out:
2.21
